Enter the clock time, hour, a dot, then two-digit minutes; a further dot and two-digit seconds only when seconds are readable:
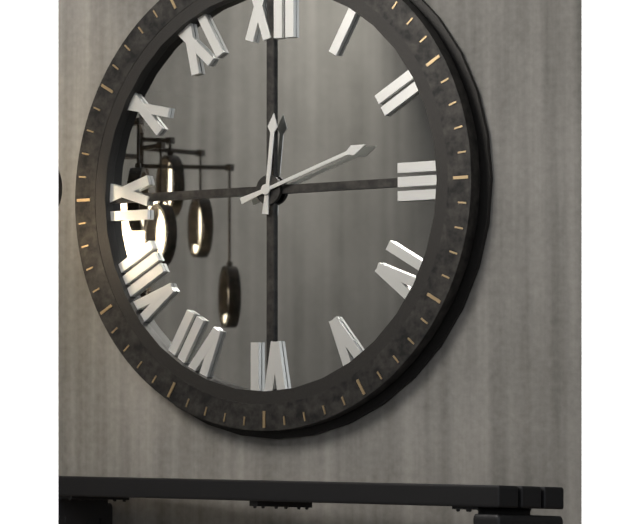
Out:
12.12
